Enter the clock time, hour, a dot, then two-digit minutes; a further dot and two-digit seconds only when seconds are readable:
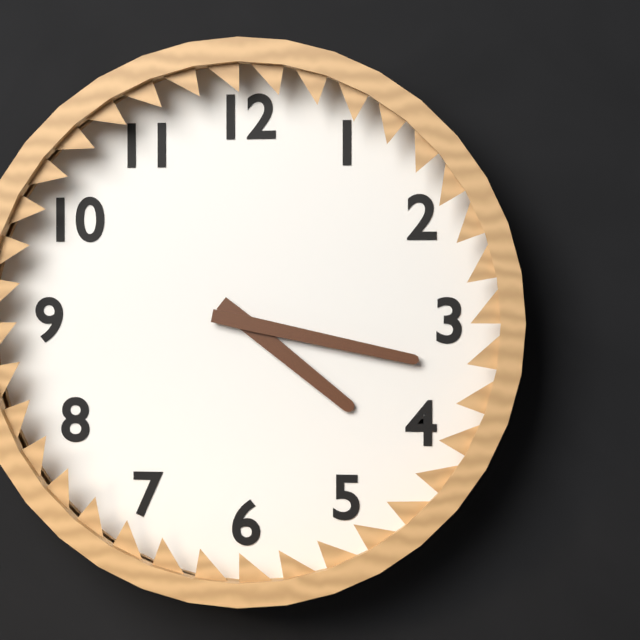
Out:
4.17
